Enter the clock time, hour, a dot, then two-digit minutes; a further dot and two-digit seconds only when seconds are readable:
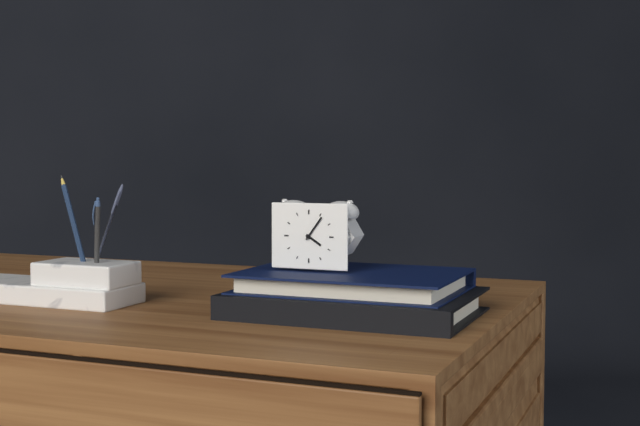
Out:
4.06
